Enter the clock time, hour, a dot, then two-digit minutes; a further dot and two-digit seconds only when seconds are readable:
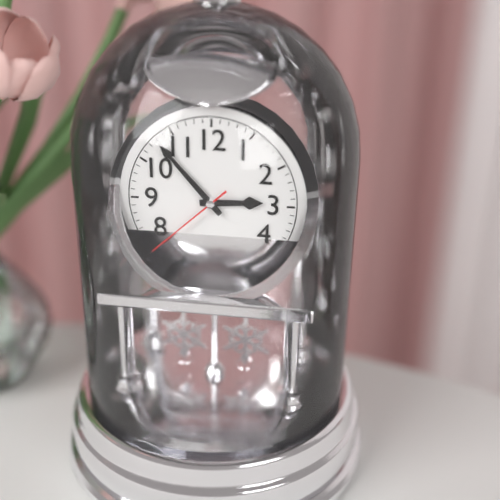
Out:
2.53.38
